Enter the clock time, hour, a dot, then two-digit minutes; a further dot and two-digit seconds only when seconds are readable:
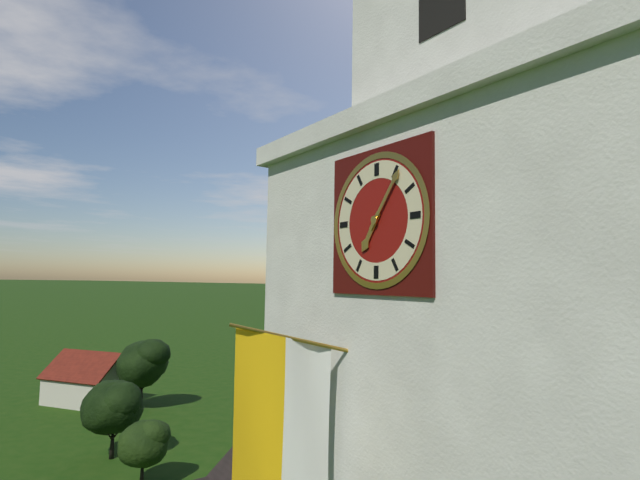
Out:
7.06
